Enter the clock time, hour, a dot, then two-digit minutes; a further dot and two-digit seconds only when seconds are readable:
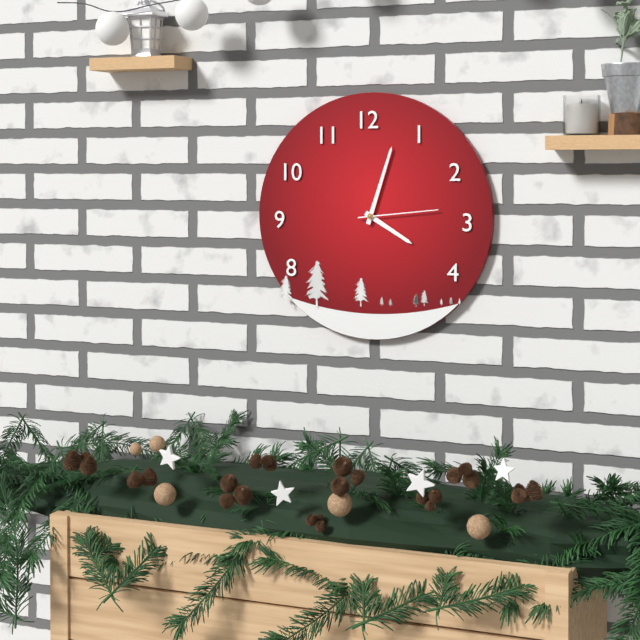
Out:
4.03.14
